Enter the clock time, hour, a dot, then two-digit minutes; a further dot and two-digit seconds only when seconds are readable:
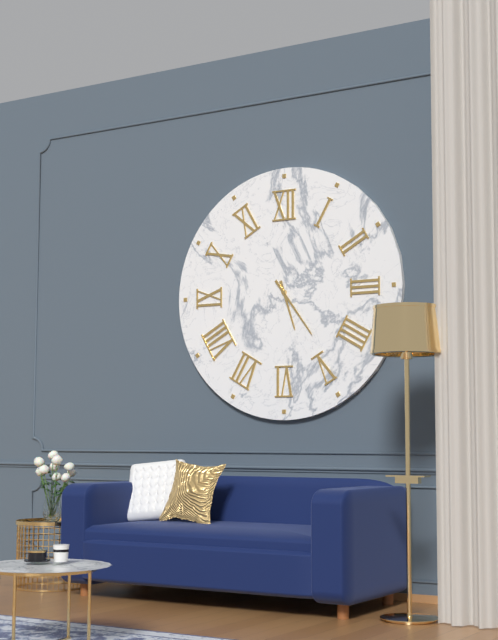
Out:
5.24
